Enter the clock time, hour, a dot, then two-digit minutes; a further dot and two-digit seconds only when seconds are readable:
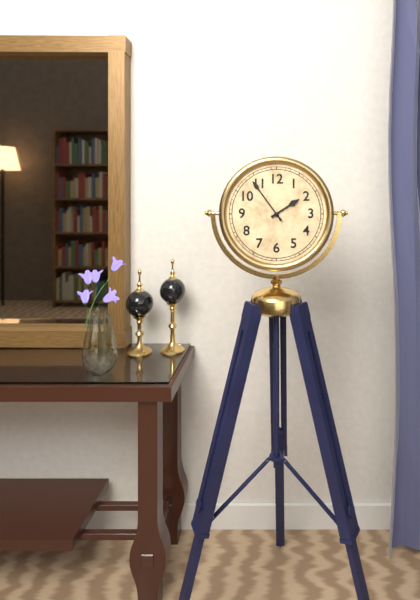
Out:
1.54
